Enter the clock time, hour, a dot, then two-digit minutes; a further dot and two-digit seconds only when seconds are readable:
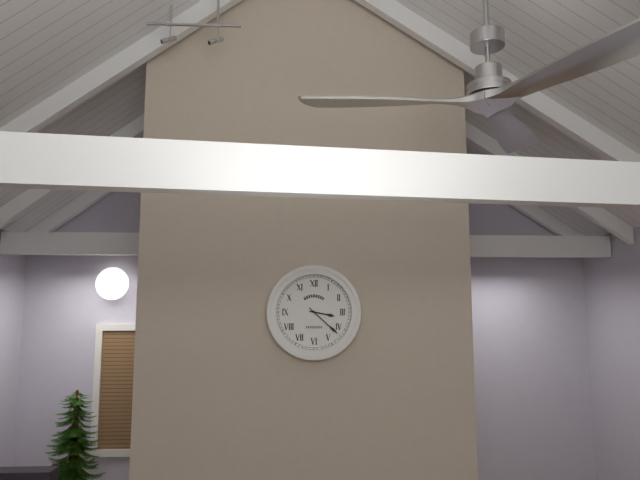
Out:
3.22
